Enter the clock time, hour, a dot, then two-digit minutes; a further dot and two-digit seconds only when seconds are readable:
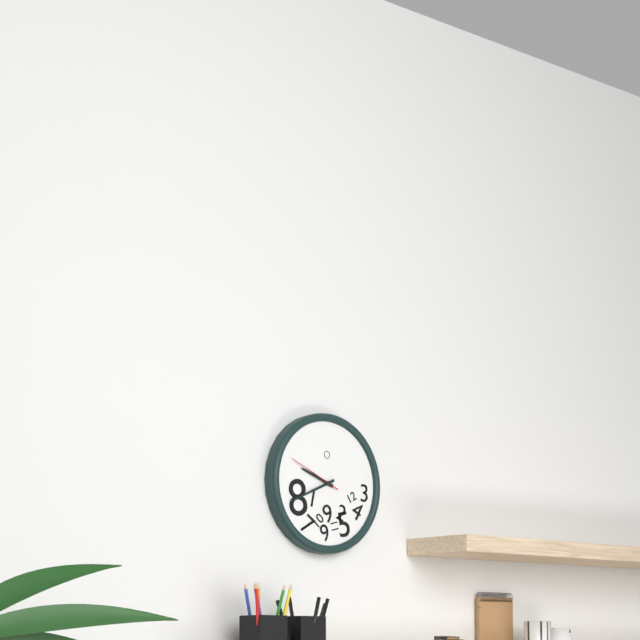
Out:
9.41.49
